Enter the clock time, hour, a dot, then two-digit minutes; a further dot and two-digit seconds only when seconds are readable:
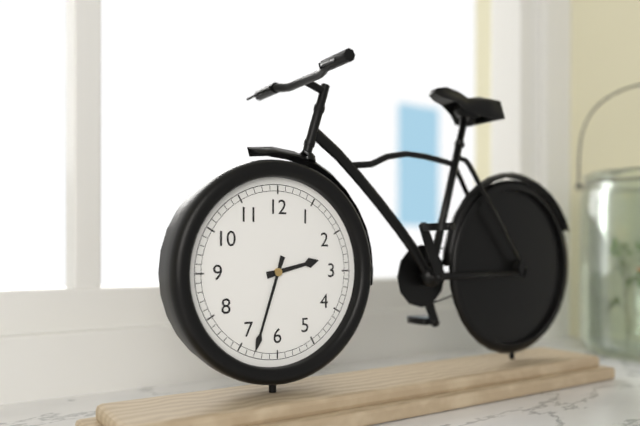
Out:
2.33
